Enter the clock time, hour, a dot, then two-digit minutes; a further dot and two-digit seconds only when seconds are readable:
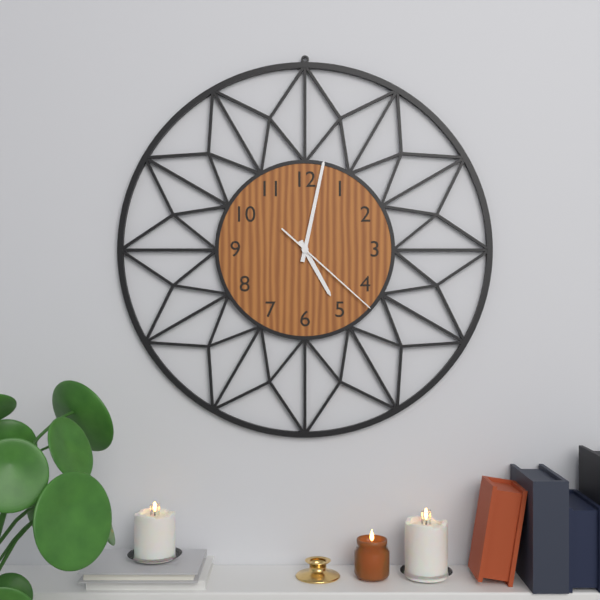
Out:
5.02.22
